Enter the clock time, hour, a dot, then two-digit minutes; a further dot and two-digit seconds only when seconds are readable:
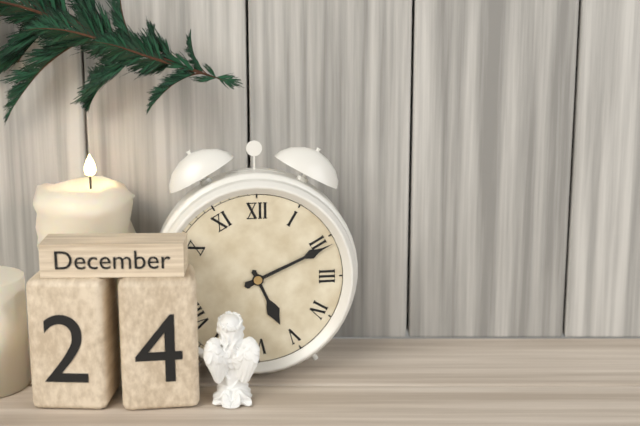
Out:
5.11
